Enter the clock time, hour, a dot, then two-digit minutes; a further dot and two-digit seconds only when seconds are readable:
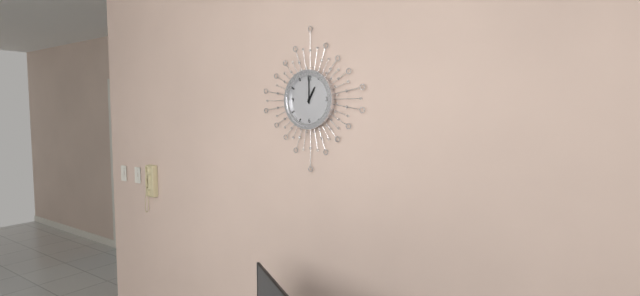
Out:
1.00
